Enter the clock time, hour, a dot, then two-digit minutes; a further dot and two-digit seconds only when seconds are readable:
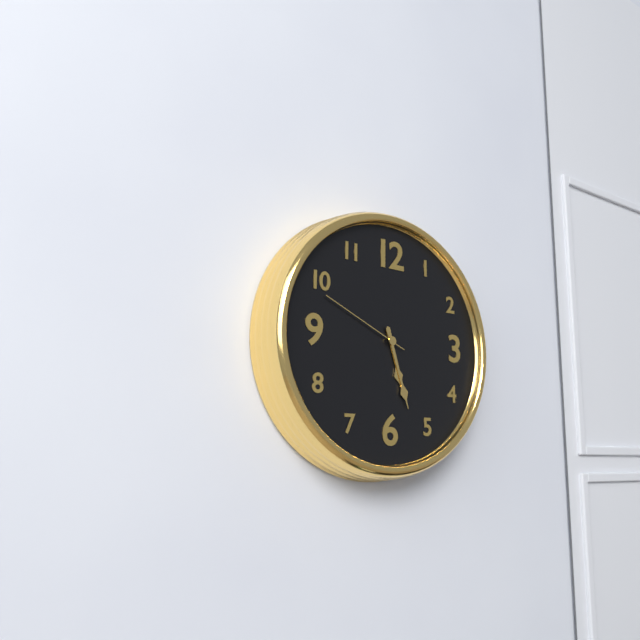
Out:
5.27.49
